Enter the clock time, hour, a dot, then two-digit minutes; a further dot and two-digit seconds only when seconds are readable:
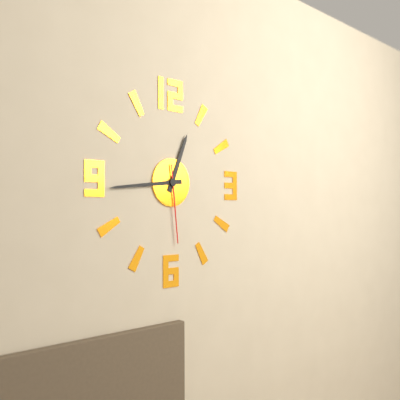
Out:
12.44.29
